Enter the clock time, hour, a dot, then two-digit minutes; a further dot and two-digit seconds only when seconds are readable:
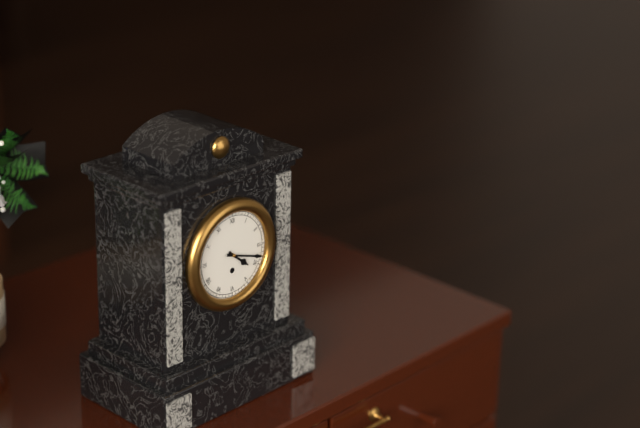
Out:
4.18
